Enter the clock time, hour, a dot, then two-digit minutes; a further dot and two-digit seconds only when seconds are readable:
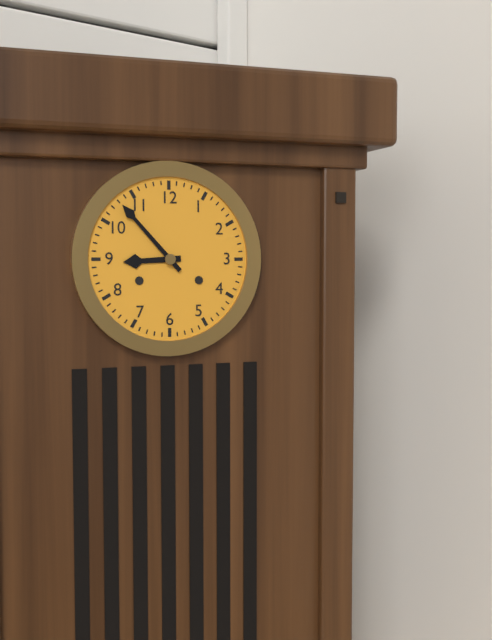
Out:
8.53
